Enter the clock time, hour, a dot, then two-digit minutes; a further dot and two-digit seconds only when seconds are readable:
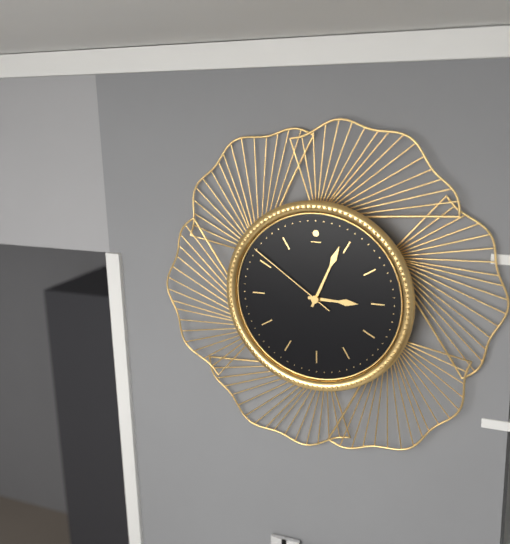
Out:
3.04.51
